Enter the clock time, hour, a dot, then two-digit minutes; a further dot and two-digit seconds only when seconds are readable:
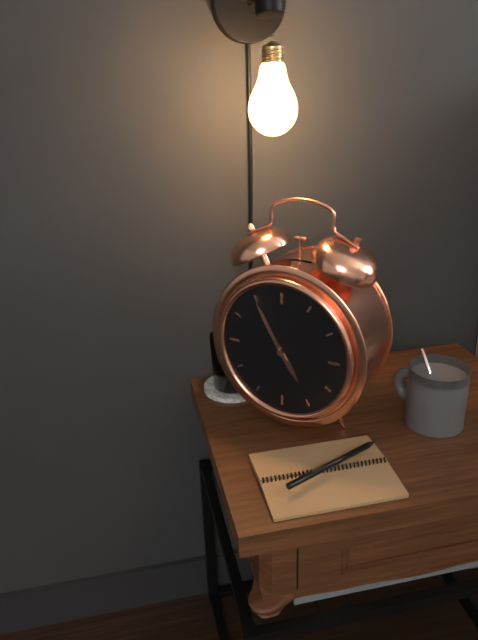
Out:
4.55
